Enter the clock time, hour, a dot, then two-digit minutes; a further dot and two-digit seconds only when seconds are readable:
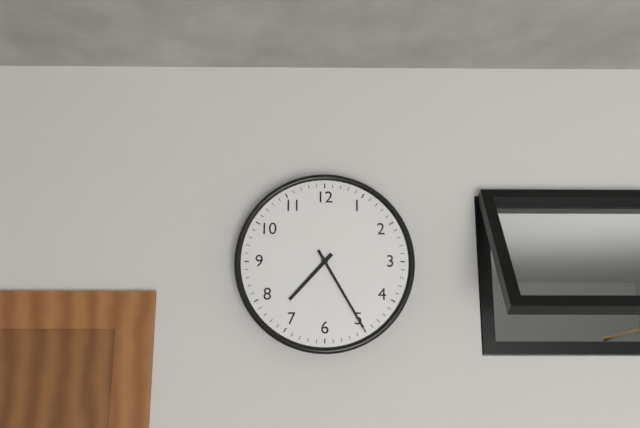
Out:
7.25
